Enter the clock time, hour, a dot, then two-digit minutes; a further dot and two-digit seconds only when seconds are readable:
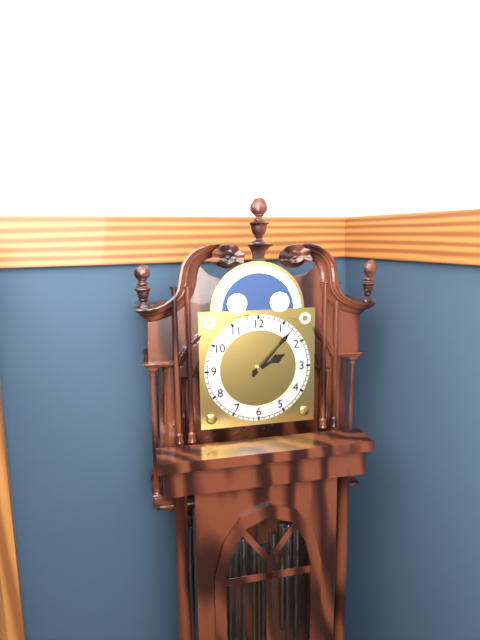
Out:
2.07
